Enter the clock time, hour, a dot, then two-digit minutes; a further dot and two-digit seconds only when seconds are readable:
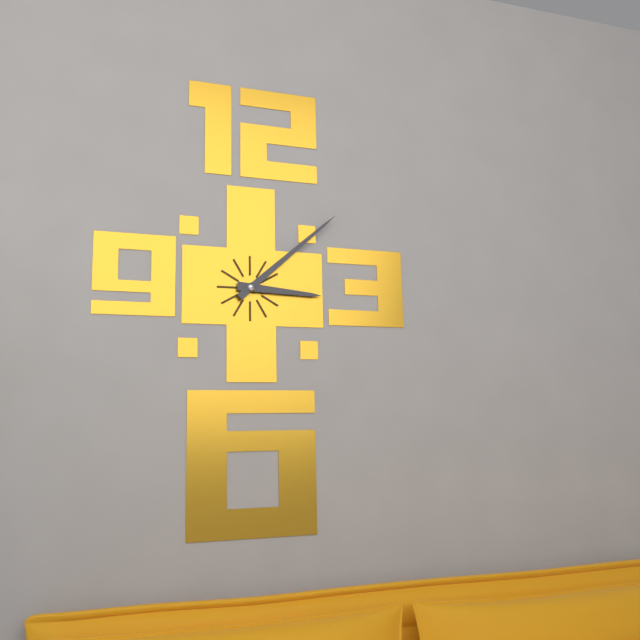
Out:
3.08
